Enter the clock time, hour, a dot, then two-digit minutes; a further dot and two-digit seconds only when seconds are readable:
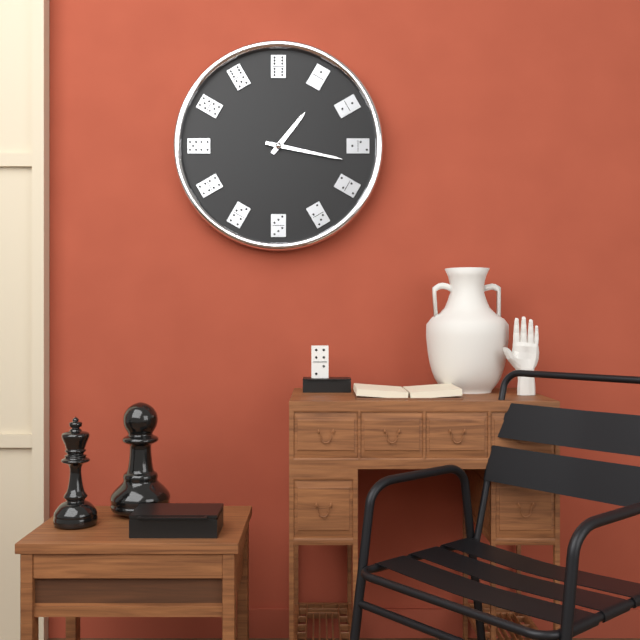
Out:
1.17
